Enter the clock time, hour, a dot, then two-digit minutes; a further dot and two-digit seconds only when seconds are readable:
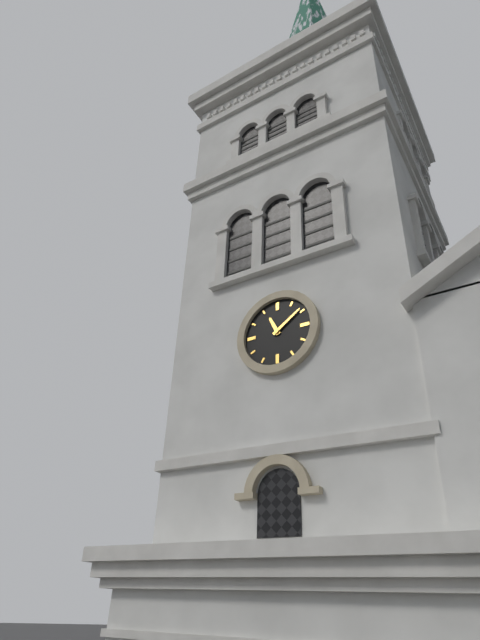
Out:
11.09
